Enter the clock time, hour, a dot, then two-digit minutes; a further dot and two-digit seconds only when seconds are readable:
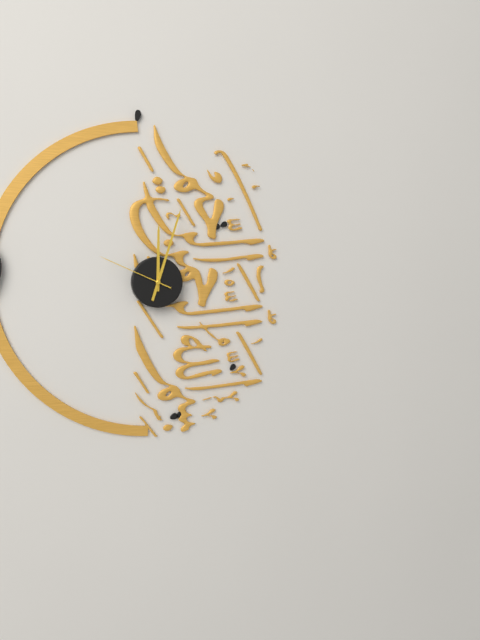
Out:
12.03.49
